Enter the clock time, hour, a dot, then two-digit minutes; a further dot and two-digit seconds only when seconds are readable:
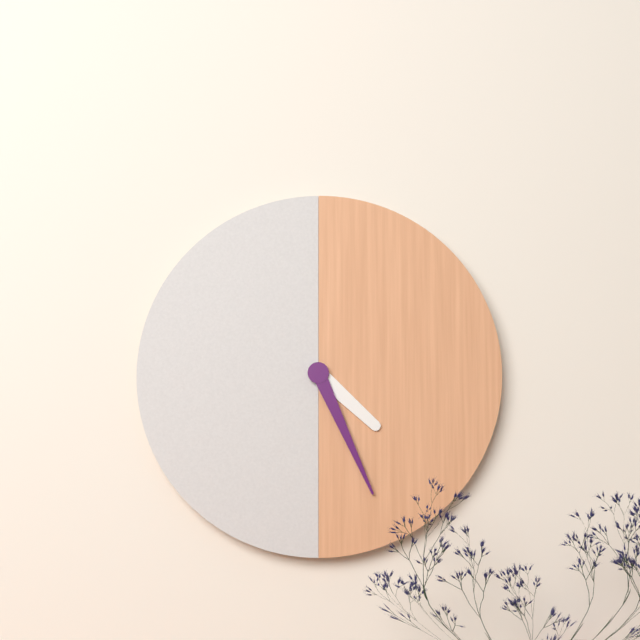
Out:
4.26
